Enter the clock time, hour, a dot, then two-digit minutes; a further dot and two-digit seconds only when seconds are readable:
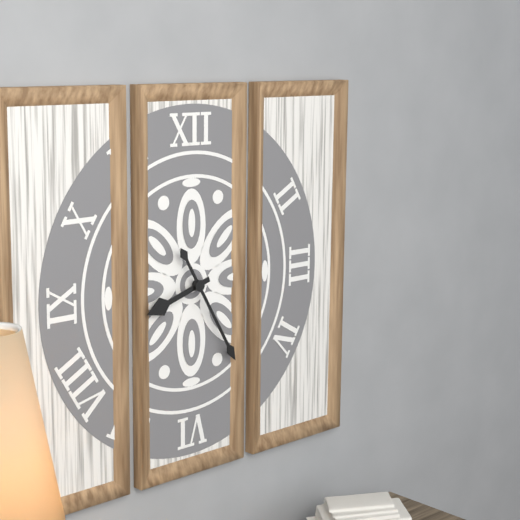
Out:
8.25
